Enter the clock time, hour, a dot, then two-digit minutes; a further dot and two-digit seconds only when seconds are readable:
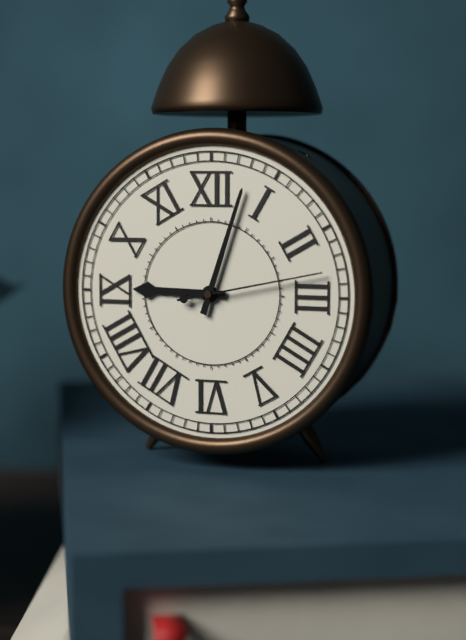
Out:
9.03.13
